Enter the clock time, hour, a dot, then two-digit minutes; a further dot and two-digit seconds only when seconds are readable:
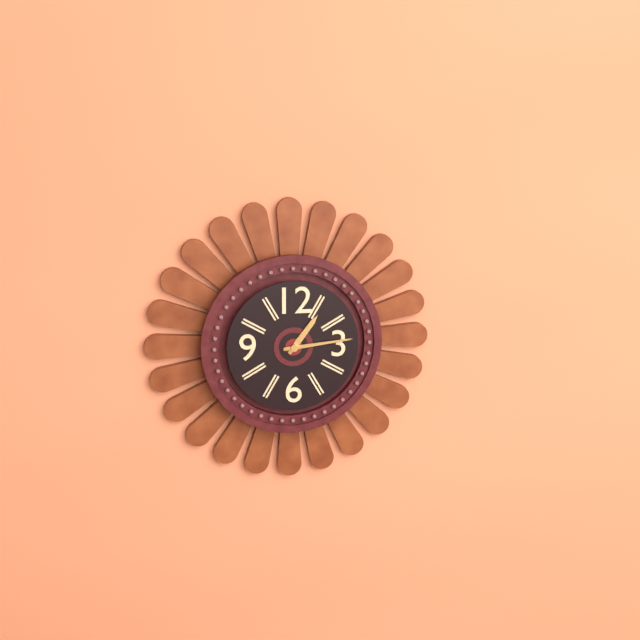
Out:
1.14
